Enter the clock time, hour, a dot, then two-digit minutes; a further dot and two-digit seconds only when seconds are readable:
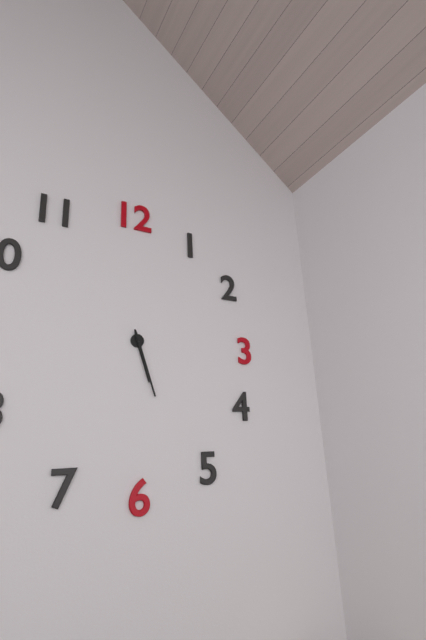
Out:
5.27
